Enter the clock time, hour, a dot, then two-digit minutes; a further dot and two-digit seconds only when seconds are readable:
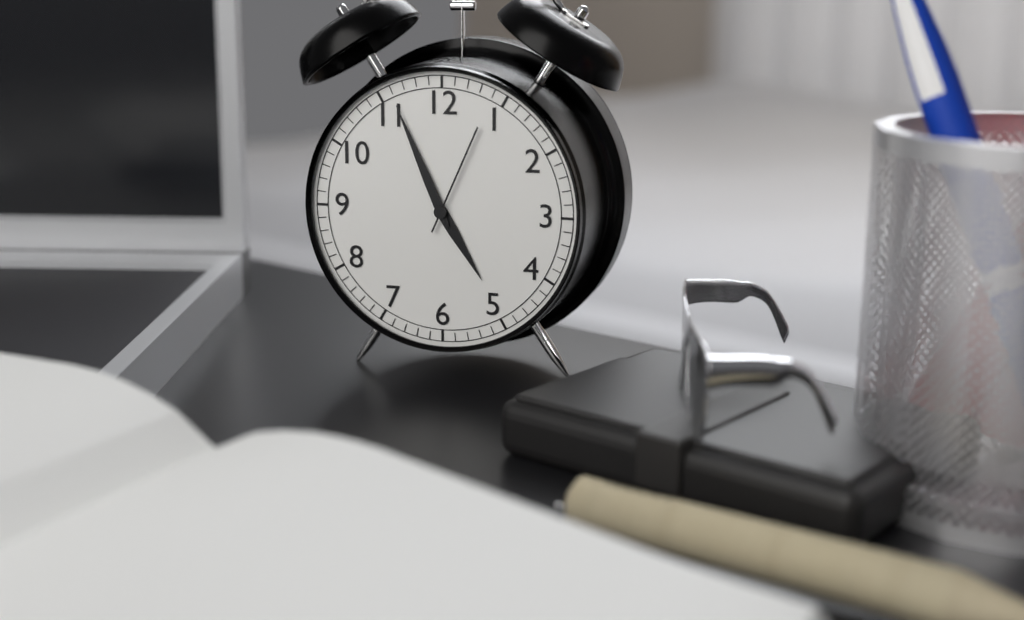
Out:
4.56.04
